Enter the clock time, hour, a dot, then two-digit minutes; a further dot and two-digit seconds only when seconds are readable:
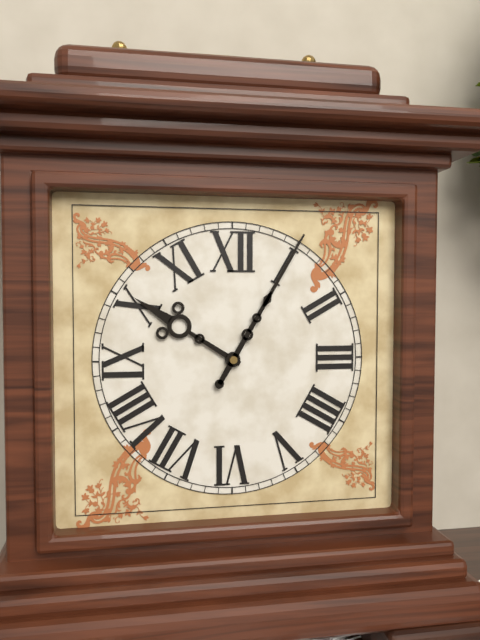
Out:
10.05
